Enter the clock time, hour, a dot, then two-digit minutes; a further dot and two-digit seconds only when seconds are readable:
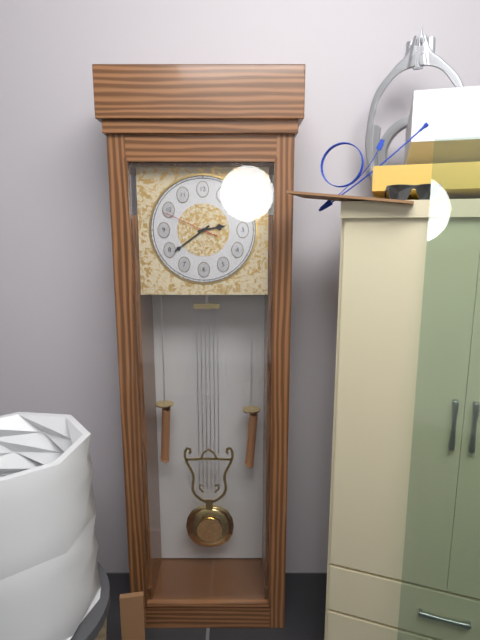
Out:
2.39.49
